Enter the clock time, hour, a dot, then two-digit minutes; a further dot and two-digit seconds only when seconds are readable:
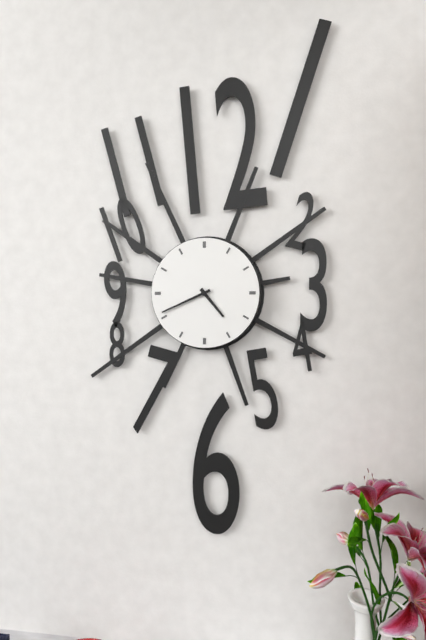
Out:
4.41
